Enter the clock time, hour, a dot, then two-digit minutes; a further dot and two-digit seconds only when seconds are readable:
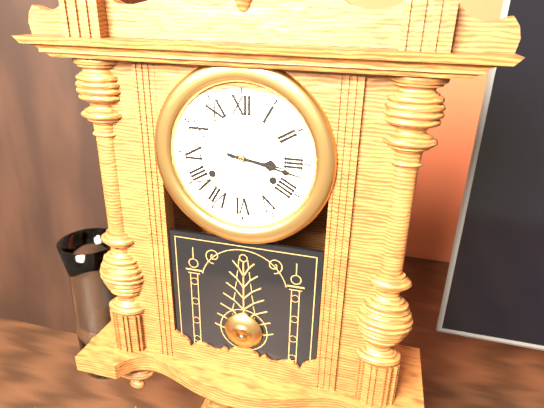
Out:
3.17
